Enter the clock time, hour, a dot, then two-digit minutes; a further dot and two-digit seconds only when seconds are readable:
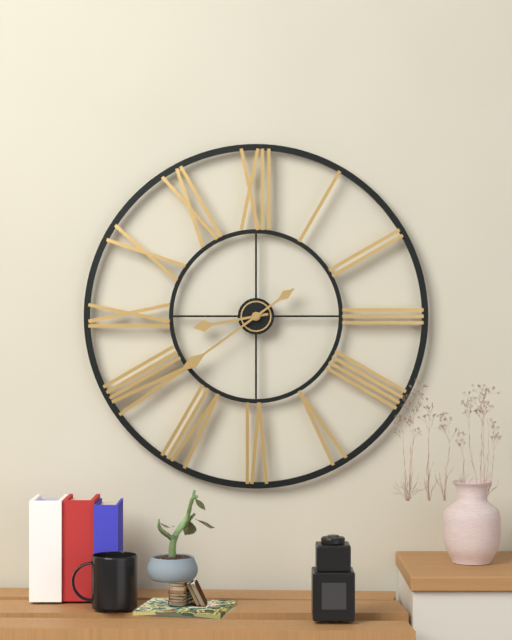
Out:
8.39
